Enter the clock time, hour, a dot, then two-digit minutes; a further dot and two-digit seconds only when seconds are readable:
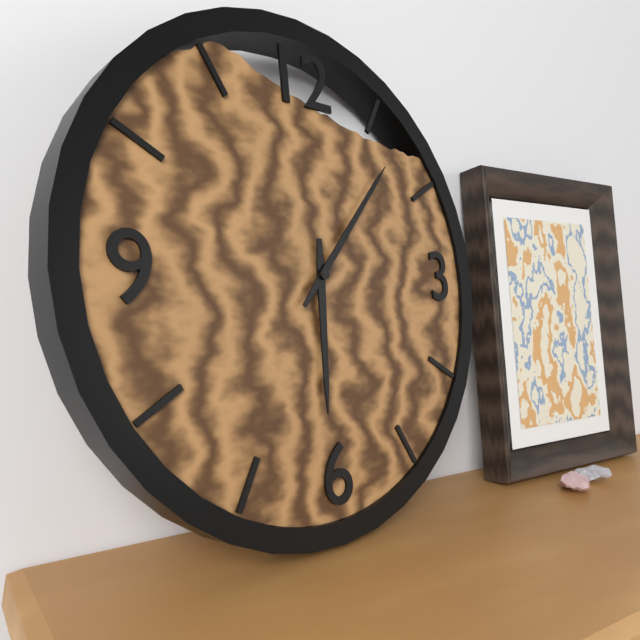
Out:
6.07
